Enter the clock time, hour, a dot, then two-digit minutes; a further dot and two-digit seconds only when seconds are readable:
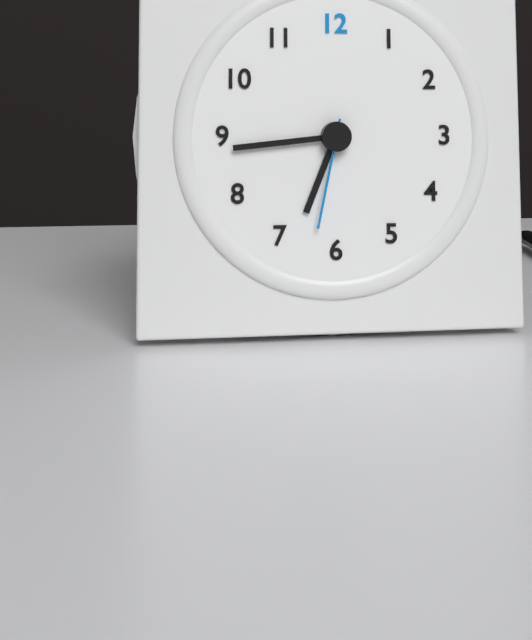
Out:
6.44.32
